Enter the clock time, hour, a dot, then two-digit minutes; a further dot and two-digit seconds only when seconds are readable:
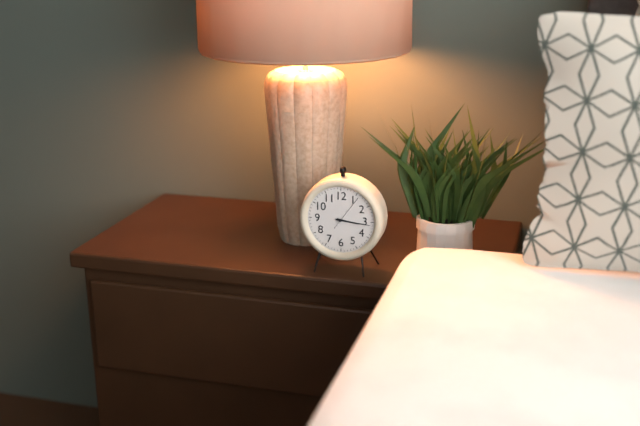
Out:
3.16
